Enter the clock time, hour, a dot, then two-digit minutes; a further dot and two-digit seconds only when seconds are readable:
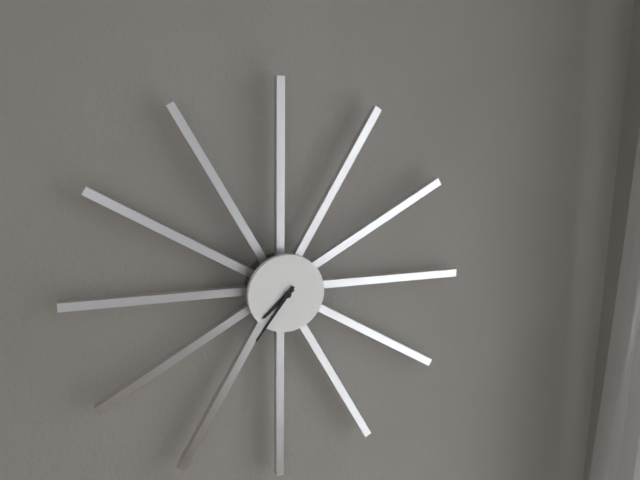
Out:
7.36
